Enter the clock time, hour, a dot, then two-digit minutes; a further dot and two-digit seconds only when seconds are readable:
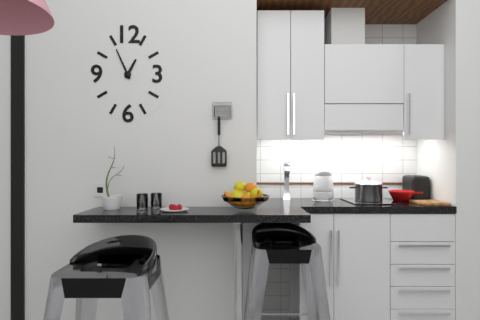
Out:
12.56
